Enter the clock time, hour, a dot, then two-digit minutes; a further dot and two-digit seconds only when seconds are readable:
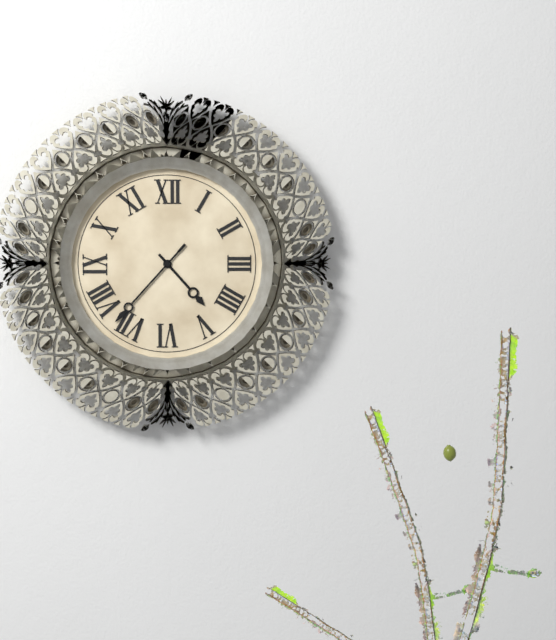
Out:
4.37
